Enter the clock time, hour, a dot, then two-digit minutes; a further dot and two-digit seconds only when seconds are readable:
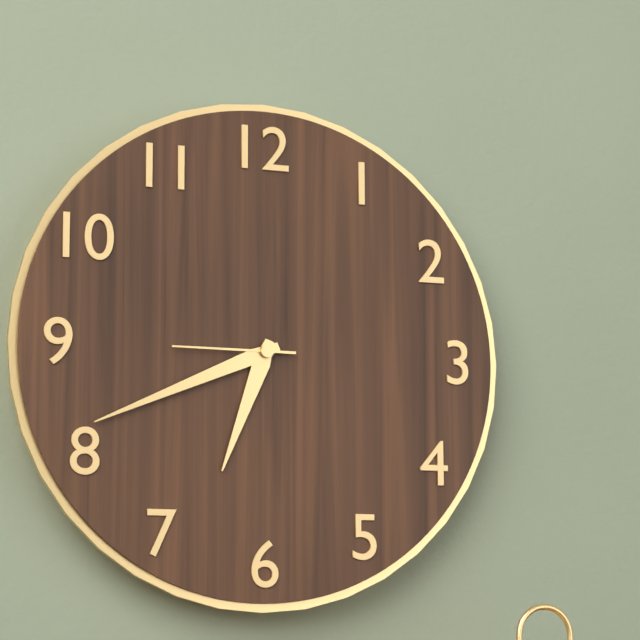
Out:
6.41.45
